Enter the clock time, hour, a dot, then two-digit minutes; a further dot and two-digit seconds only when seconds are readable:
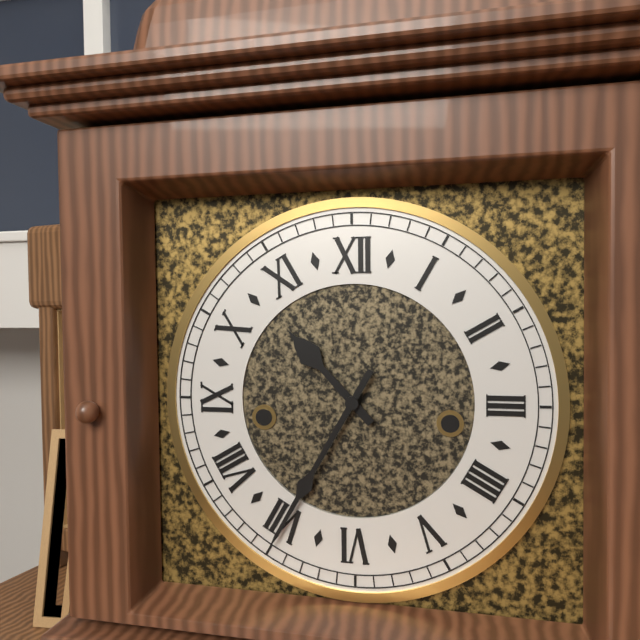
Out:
10.35
